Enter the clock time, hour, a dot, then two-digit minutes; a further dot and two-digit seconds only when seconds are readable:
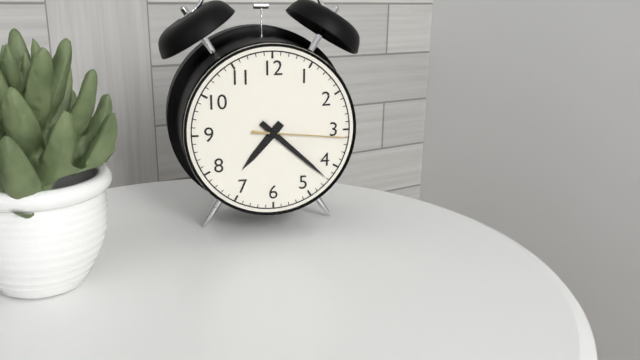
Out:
7.22.16
